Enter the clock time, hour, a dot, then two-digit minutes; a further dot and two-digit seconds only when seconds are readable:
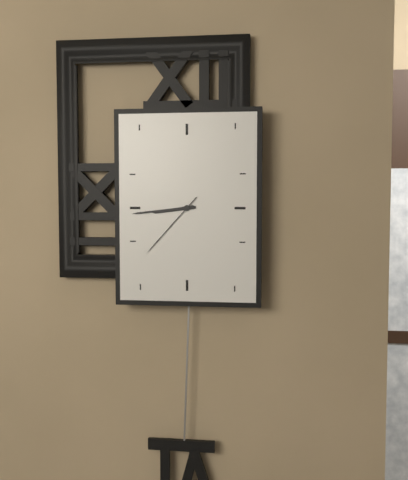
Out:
8.44.37
